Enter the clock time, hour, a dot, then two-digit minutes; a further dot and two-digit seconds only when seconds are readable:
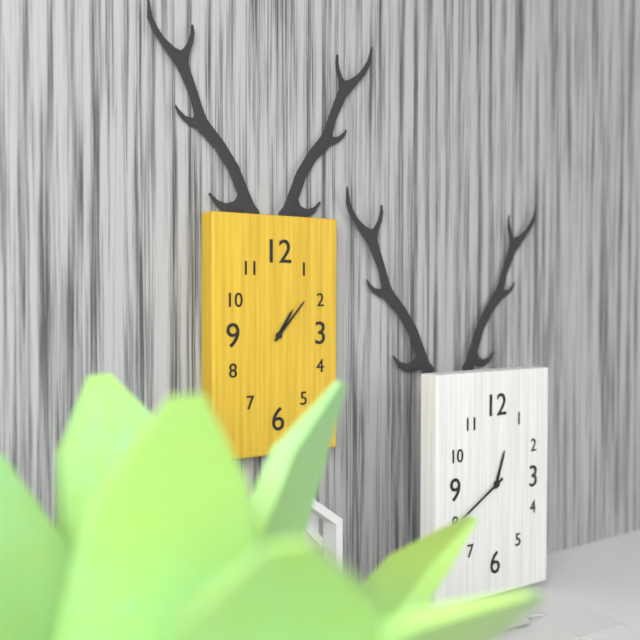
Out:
1.07
